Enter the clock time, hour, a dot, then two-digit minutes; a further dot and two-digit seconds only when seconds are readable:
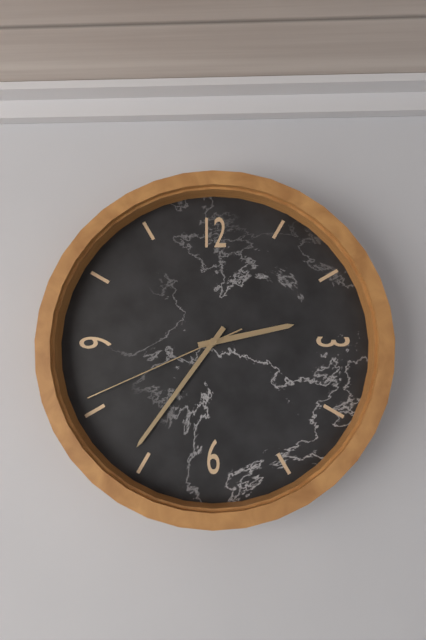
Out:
2.36.41
